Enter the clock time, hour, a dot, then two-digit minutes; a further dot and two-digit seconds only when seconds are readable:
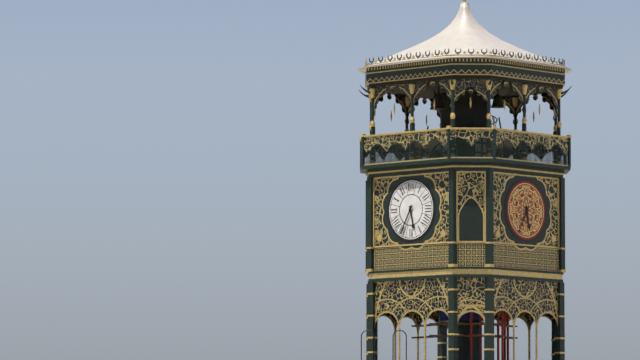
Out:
5.35
